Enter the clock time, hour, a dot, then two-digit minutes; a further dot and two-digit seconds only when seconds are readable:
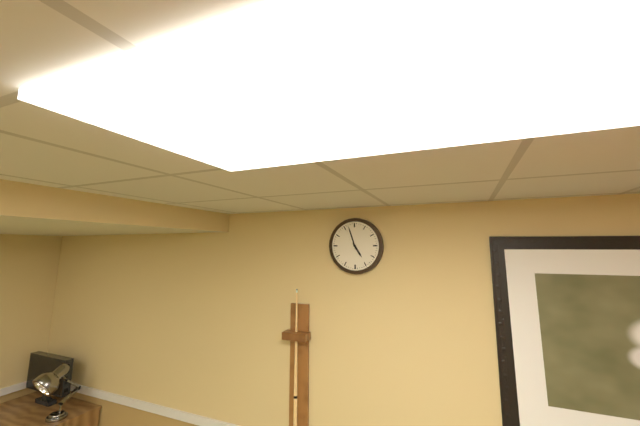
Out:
4.57
